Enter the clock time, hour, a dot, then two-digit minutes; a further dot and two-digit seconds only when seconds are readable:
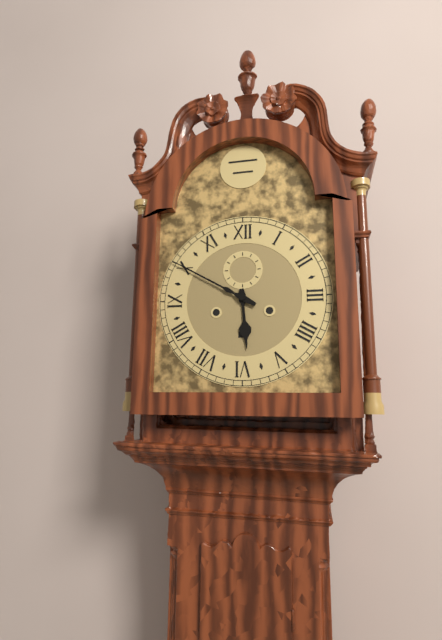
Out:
5.50
